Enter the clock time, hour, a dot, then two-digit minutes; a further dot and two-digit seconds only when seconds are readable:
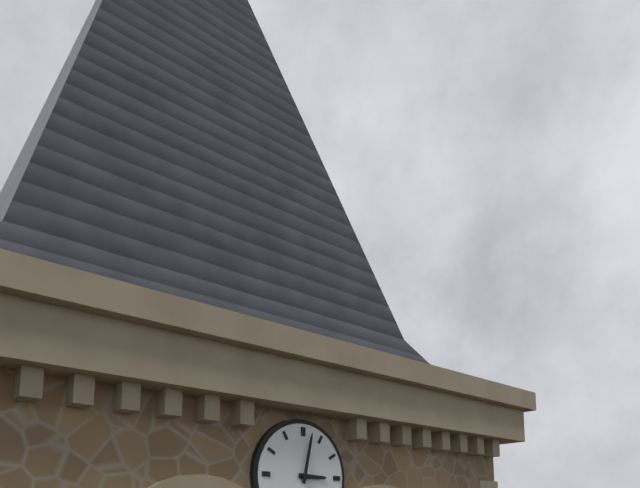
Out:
3.02
